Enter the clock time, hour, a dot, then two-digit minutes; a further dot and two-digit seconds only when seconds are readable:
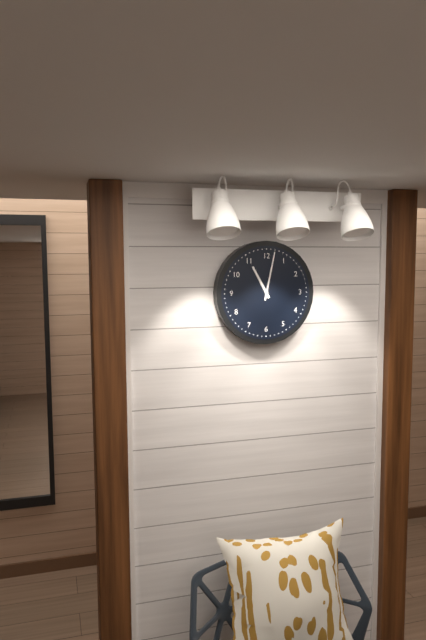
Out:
11.02
